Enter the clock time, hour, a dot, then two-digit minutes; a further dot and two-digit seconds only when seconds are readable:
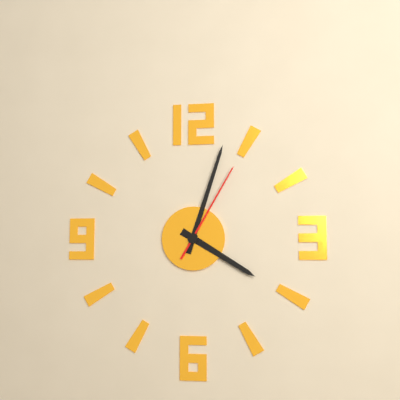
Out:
4.03.05
